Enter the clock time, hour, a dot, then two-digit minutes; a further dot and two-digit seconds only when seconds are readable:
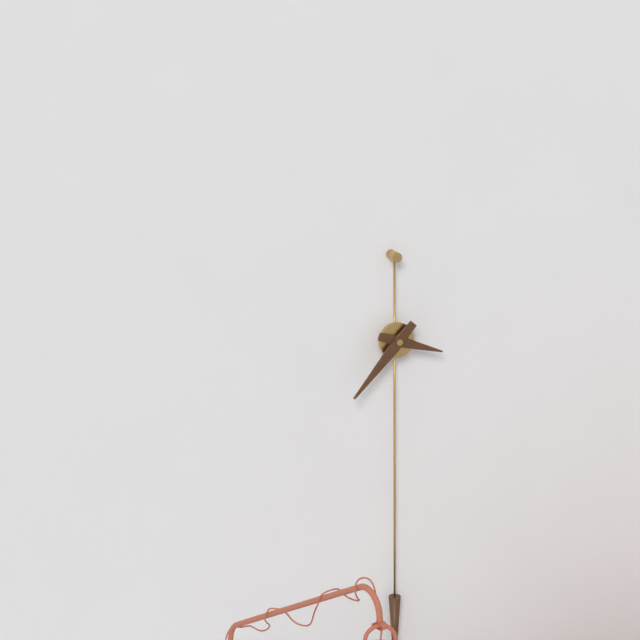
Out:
3.37
